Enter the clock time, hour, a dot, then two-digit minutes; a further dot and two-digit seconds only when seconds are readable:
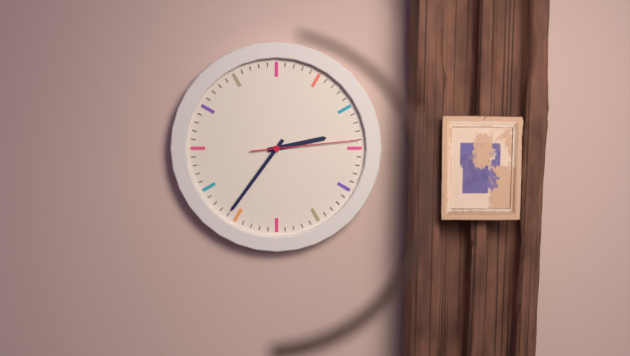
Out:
2.36.14
